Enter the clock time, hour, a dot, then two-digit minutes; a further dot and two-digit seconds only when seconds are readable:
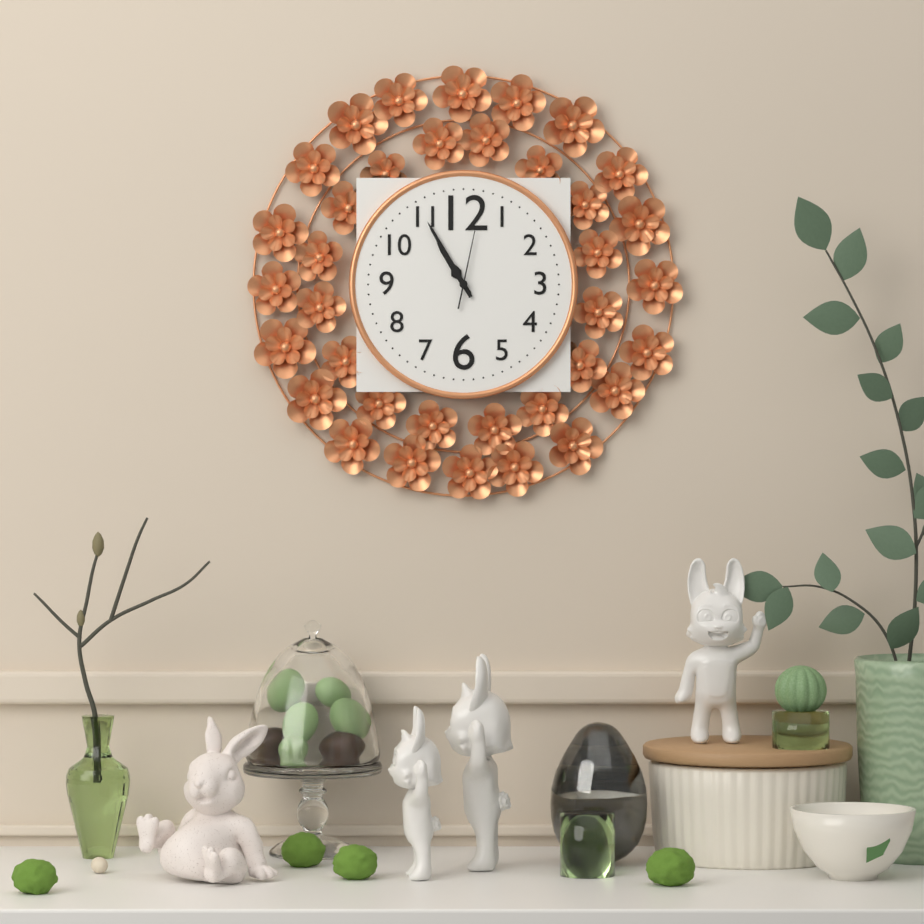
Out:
10.55.02
